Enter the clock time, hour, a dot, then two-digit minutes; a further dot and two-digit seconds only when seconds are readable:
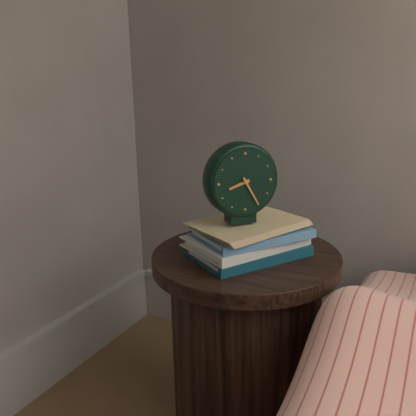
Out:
8.25
